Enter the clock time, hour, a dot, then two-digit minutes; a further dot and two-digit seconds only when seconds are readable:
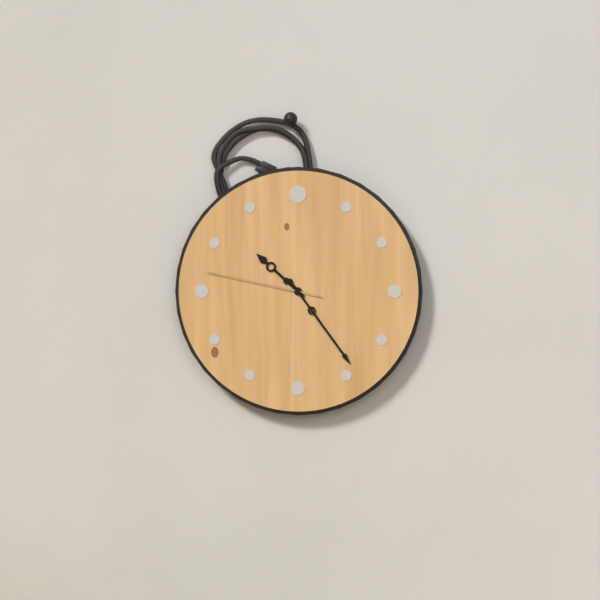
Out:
10.24.47
